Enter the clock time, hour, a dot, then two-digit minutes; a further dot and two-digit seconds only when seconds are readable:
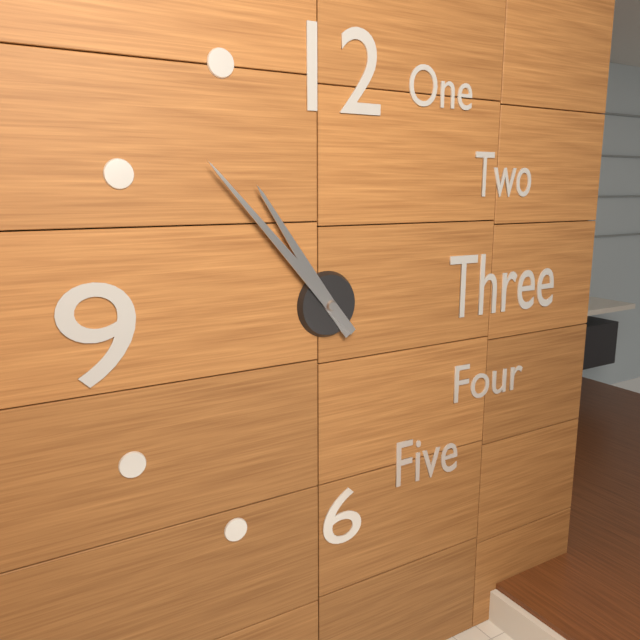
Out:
10.53
